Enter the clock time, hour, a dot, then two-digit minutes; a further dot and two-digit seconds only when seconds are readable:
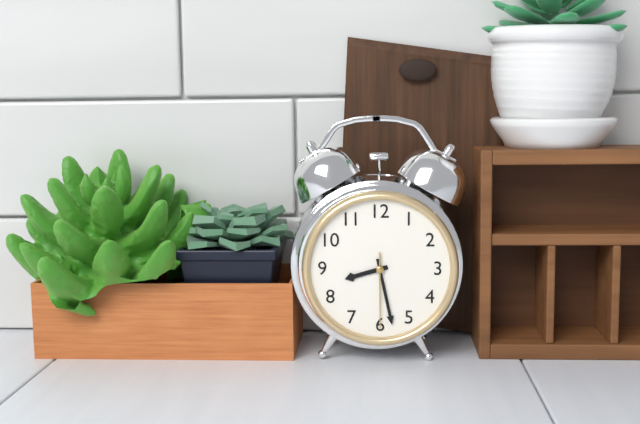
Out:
8.28.30
